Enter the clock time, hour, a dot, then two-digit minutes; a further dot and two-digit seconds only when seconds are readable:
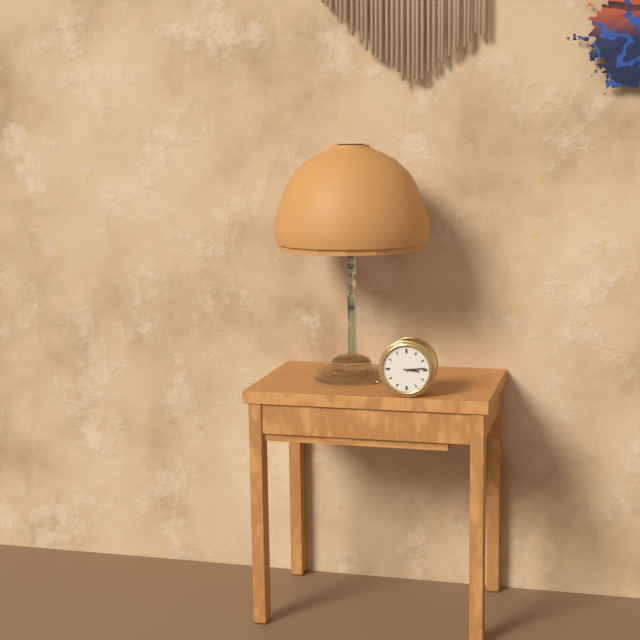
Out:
3.14
